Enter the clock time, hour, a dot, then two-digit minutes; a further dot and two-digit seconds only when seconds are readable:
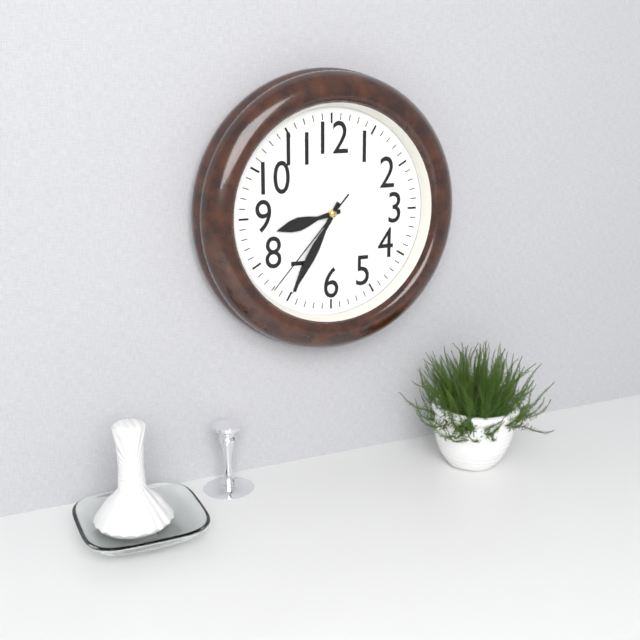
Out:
8.35.37
